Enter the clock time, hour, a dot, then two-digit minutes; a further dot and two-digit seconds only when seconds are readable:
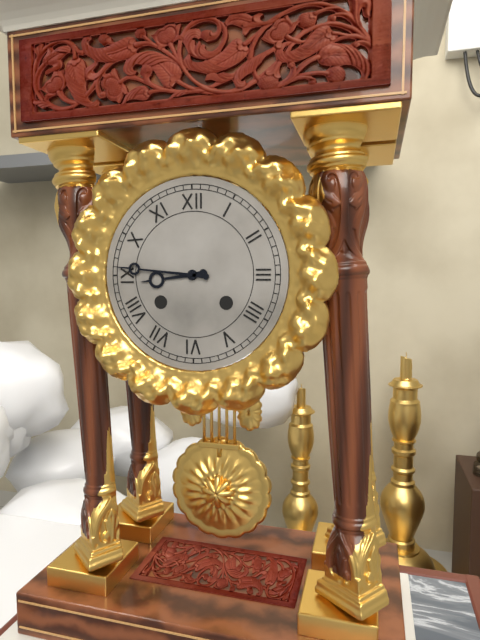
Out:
8.46
